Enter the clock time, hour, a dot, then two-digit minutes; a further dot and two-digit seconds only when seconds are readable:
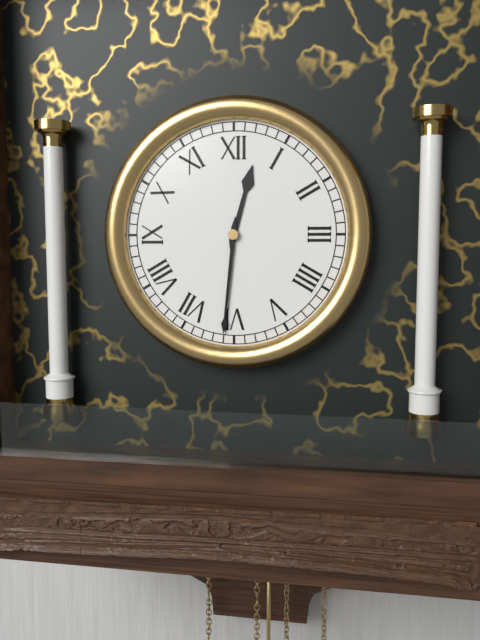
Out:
12.31
